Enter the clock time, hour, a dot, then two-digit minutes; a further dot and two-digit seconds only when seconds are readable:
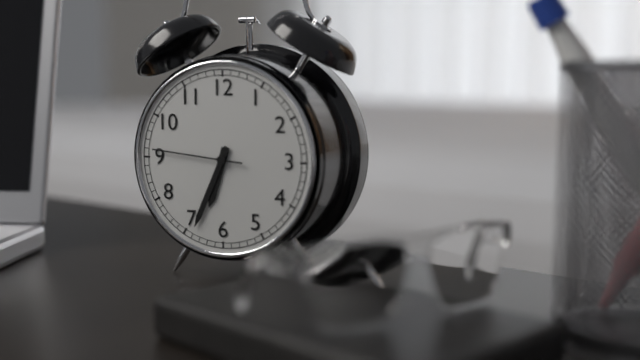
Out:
6.34.46
